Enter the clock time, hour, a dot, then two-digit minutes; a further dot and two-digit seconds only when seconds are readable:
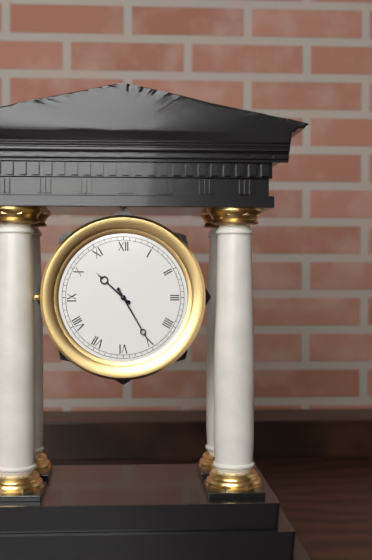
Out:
10.25
